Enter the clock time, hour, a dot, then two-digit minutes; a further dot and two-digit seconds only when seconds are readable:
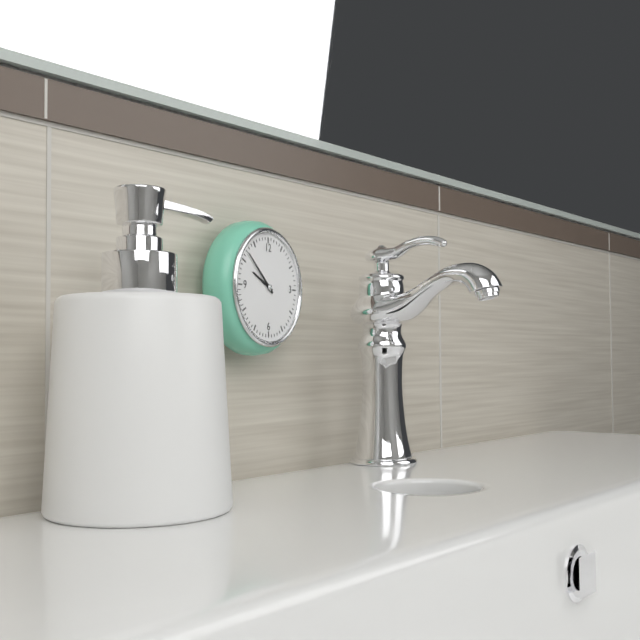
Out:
9.52
